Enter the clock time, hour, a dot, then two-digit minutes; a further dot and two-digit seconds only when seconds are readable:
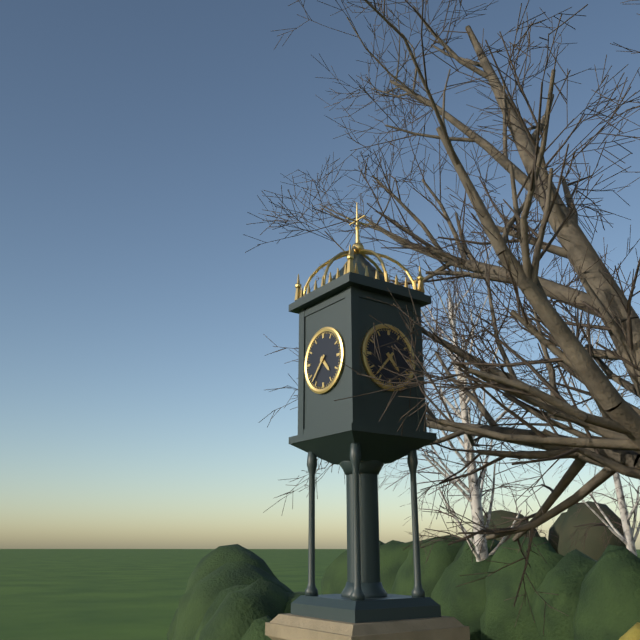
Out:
4.37
